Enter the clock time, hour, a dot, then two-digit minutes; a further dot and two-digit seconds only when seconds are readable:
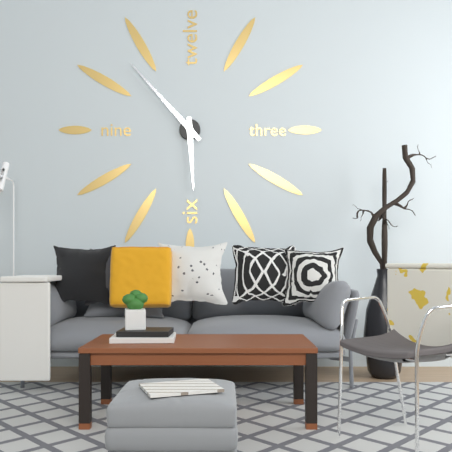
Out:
5.53
